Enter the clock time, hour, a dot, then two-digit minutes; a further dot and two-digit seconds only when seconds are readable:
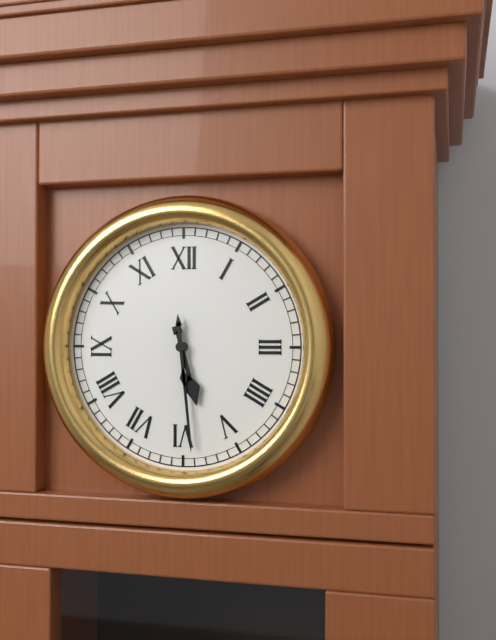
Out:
5.29
